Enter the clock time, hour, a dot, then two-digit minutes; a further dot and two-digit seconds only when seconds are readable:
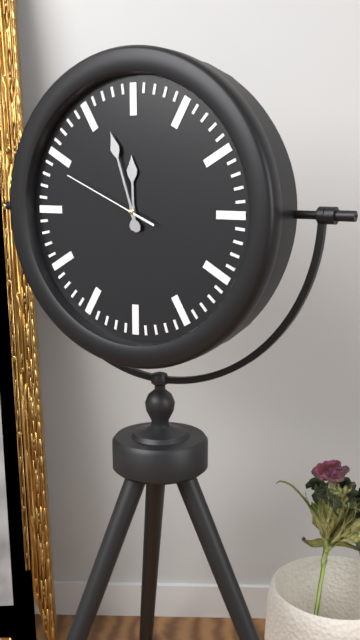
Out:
11.57.49
